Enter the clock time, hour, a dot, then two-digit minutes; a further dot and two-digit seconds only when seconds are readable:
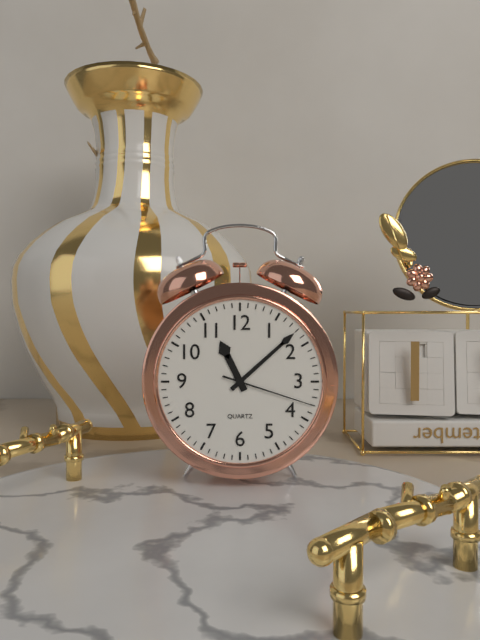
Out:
11.08.18
